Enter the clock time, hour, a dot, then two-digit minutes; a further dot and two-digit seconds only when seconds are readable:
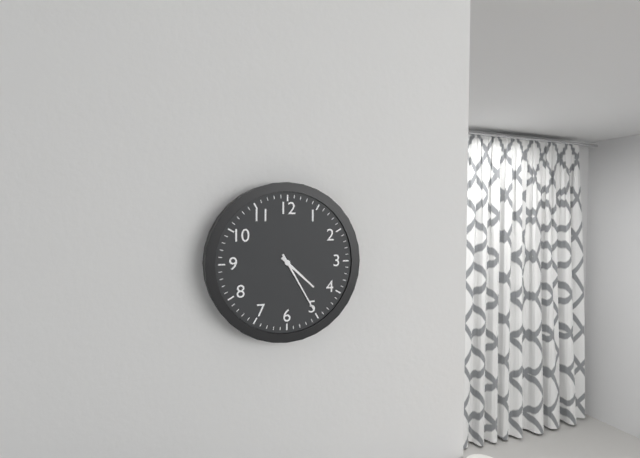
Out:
4.25
